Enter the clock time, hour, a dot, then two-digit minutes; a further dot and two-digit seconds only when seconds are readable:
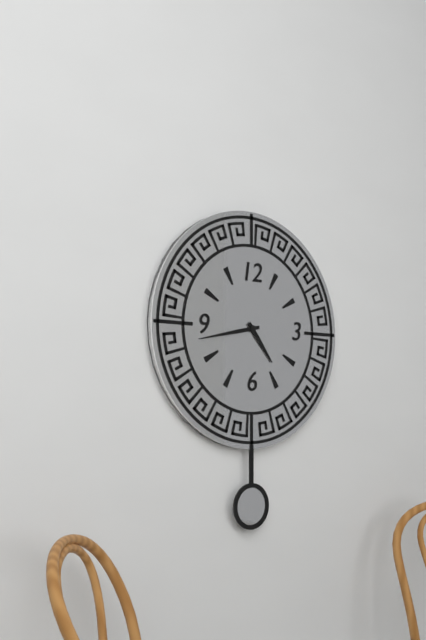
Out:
4.43
